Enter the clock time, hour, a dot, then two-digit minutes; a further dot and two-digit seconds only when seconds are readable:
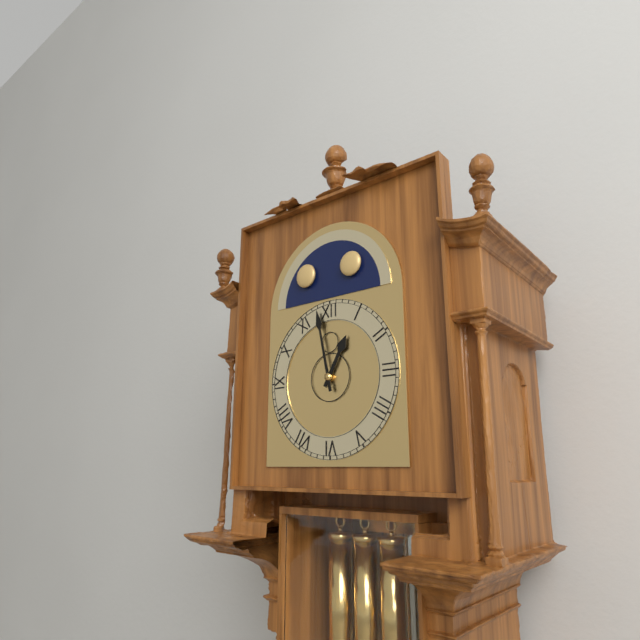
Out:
12.58
